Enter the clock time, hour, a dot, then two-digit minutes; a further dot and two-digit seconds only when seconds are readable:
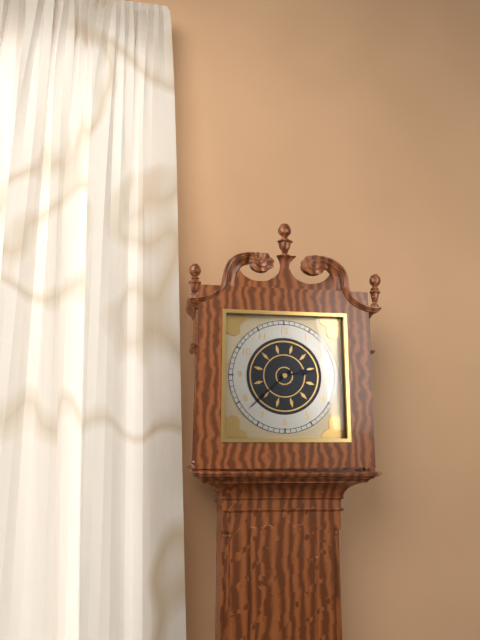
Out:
2.38
